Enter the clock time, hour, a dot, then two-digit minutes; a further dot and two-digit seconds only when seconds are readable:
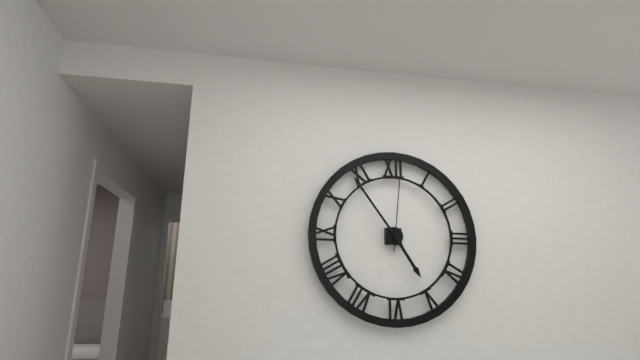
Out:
4.54.01
